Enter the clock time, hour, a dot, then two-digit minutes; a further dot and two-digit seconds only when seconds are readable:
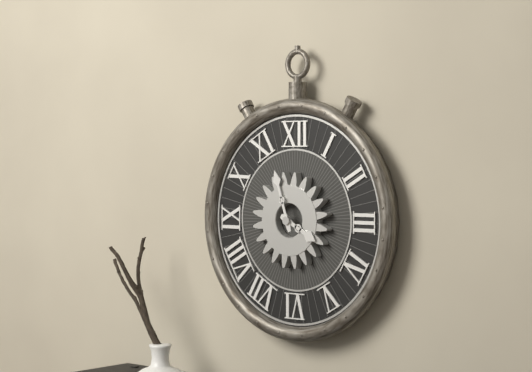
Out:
3.57
